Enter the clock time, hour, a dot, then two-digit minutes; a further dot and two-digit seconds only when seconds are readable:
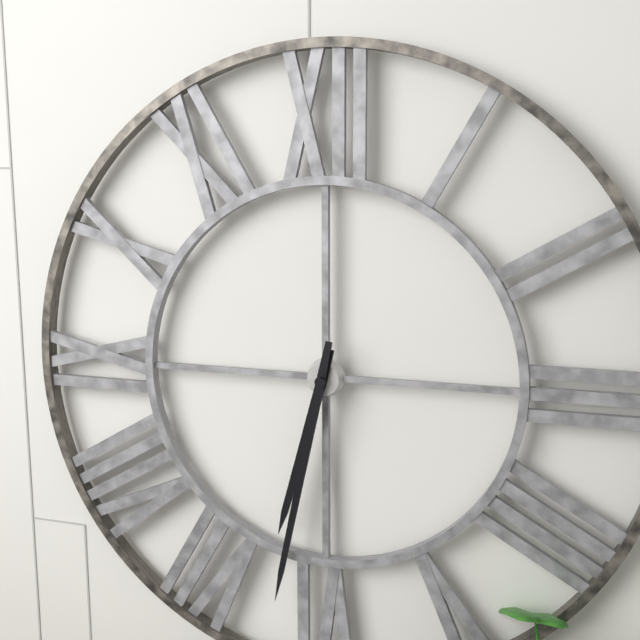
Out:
6.32
